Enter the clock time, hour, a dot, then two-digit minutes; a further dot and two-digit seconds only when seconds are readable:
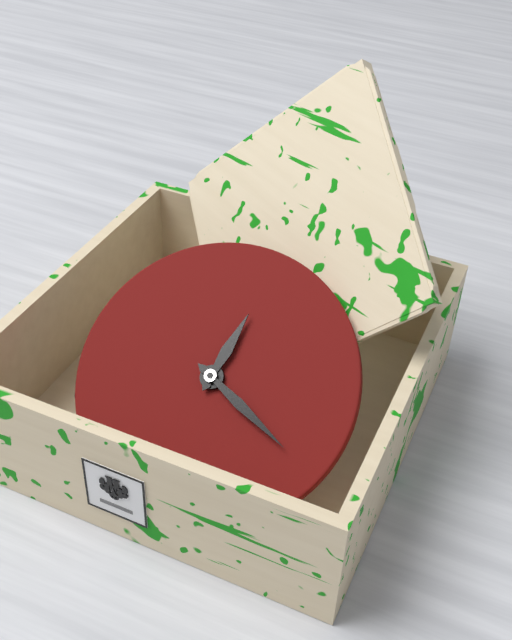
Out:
12.19
